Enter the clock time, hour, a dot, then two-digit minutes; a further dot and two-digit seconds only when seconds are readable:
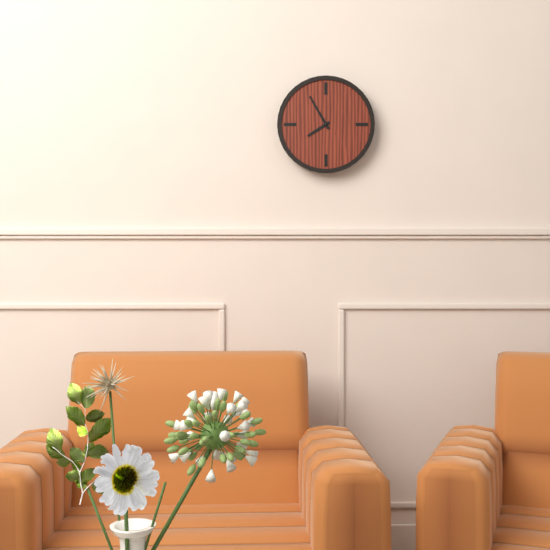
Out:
7.55
